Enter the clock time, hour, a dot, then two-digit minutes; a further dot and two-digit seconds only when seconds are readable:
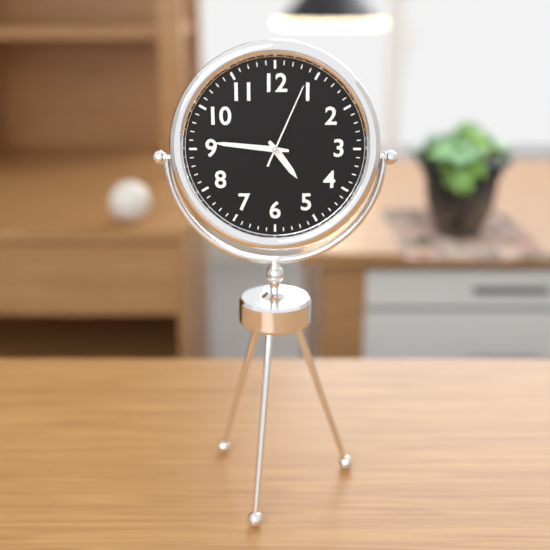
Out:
4.46.04
